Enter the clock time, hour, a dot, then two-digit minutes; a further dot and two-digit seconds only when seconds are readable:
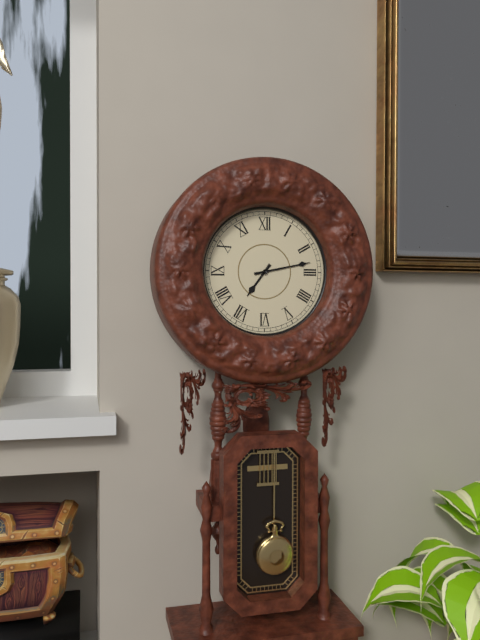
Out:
7.13
